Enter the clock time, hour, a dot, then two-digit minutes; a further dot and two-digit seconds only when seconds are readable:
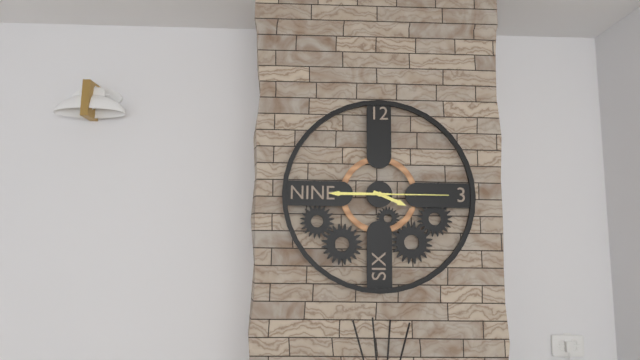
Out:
3.45.15
